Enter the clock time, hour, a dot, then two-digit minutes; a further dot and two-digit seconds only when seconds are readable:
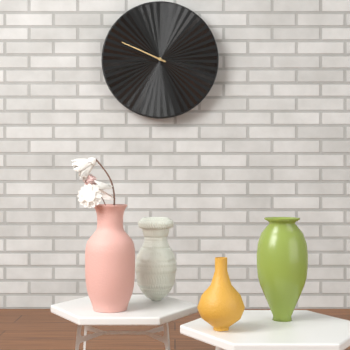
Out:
9.49
